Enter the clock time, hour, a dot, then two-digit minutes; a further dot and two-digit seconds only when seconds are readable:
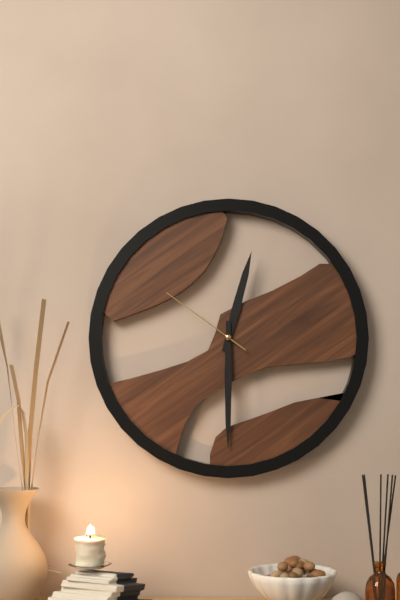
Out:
12.30.51
